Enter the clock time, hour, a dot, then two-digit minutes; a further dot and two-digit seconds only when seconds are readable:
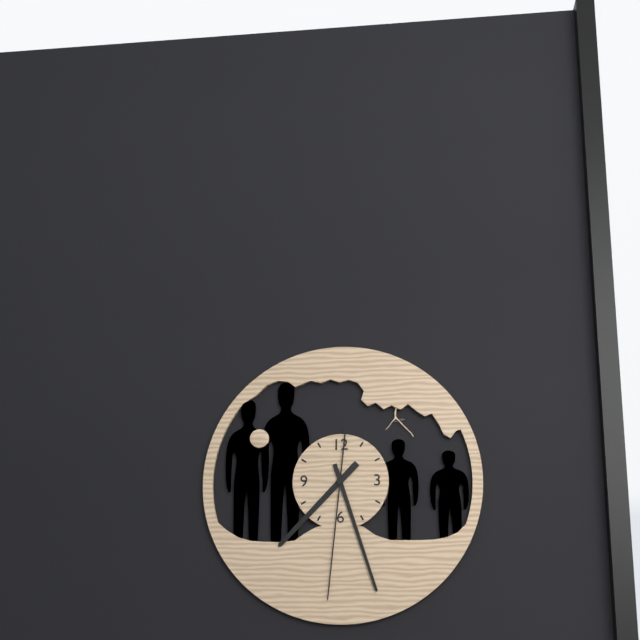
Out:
7.27.31
